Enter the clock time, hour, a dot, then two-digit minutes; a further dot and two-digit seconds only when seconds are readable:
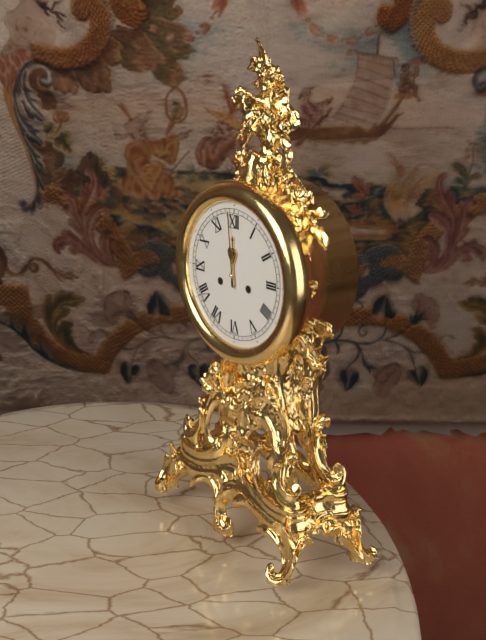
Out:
11.59
